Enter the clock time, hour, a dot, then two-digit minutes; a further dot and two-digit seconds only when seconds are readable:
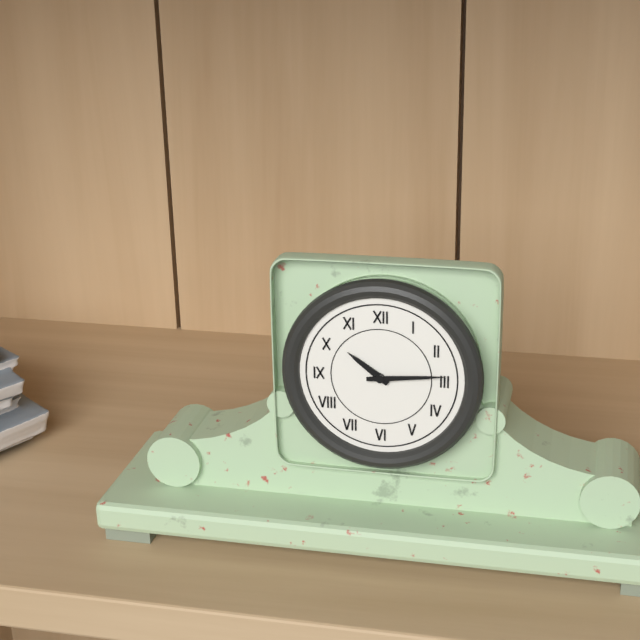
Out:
10.14
